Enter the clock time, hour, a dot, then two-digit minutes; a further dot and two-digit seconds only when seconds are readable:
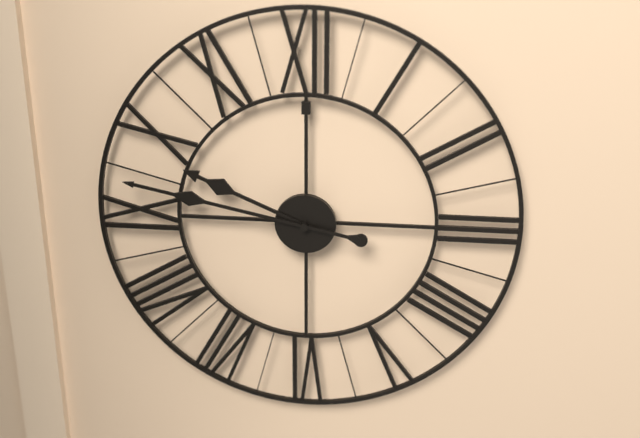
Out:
9.47
